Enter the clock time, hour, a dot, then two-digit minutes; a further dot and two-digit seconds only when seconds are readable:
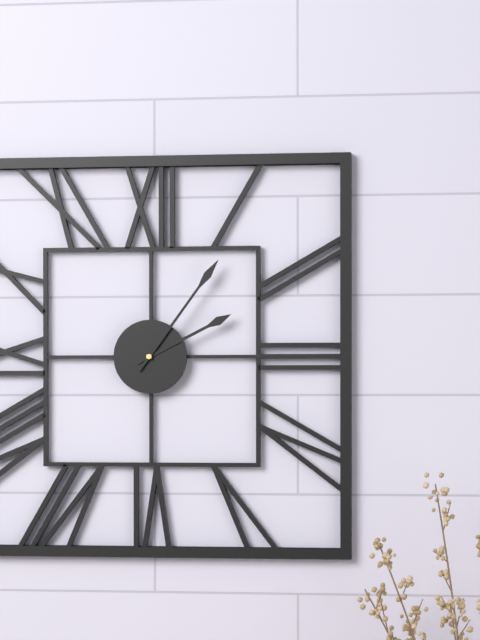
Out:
2.06
